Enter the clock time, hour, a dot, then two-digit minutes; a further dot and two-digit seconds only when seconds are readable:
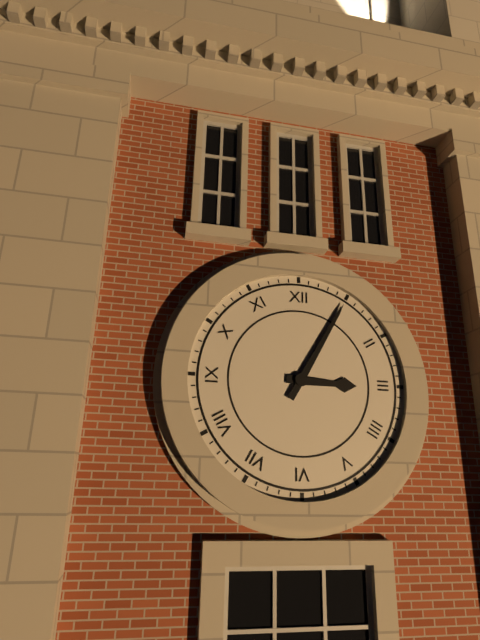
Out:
3.05
